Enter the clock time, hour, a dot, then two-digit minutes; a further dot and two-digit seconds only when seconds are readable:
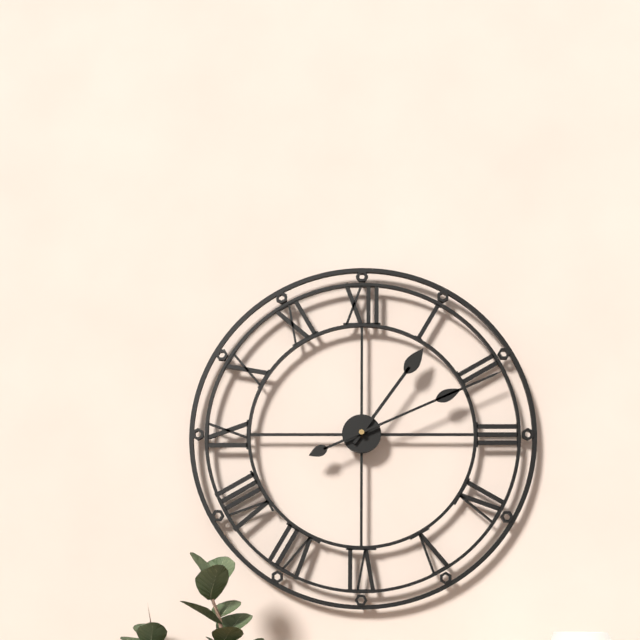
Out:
1.11
